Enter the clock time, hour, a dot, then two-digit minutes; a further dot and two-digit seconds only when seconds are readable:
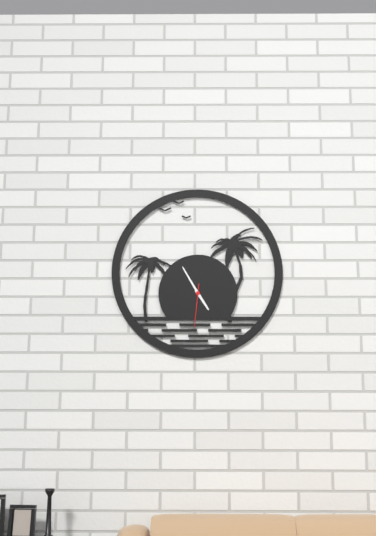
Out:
4.55
